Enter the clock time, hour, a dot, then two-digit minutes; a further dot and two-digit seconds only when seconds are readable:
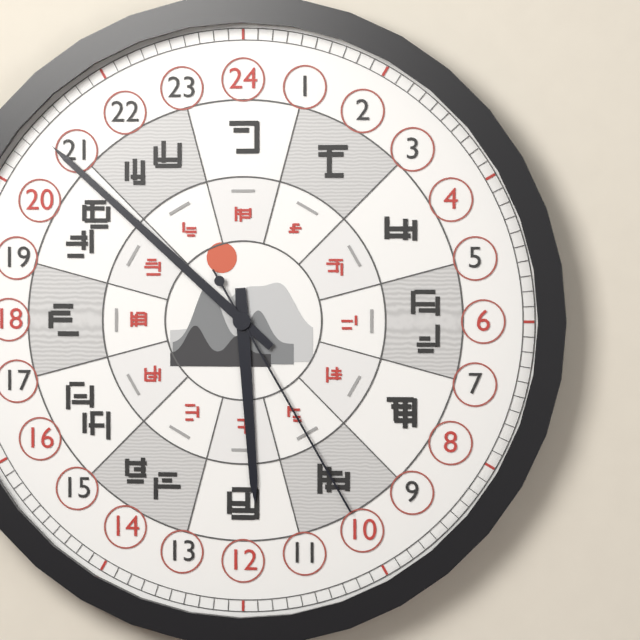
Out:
5.52.25
